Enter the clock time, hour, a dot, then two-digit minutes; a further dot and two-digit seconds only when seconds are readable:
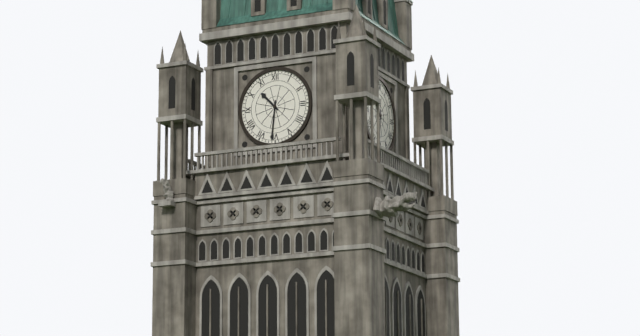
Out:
10.31
